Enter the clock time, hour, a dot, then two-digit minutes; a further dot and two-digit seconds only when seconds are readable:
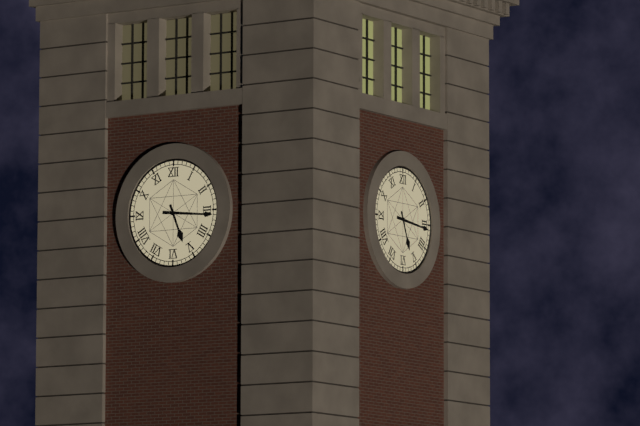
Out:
5.16
